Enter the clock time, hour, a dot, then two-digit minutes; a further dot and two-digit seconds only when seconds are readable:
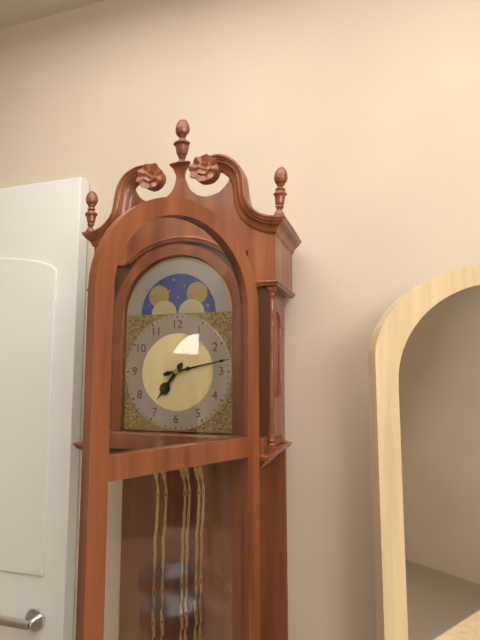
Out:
7.13
